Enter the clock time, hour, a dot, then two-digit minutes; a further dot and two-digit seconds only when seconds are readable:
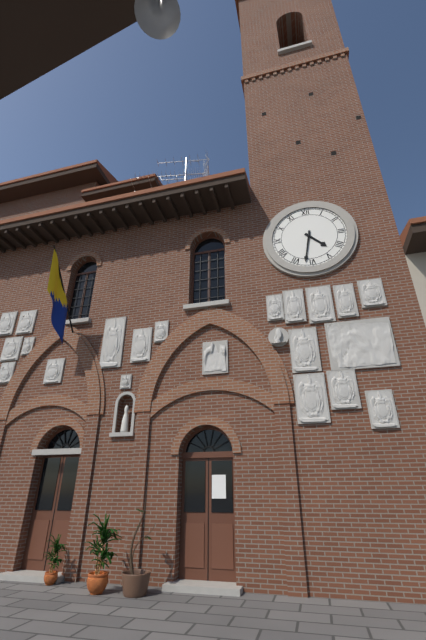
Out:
4.32
